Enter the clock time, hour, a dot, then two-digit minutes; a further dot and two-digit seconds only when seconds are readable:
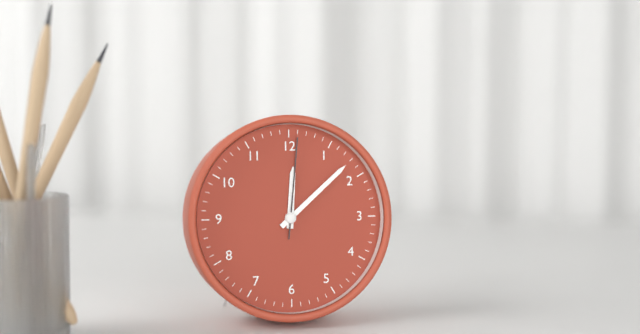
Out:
12.08.01
